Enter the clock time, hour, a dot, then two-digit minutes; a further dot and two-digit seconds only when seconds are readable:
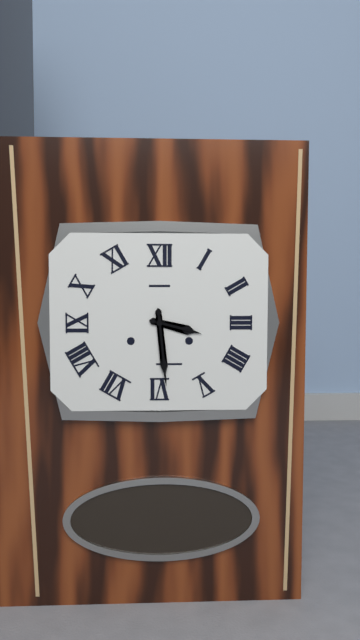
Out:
3.29
